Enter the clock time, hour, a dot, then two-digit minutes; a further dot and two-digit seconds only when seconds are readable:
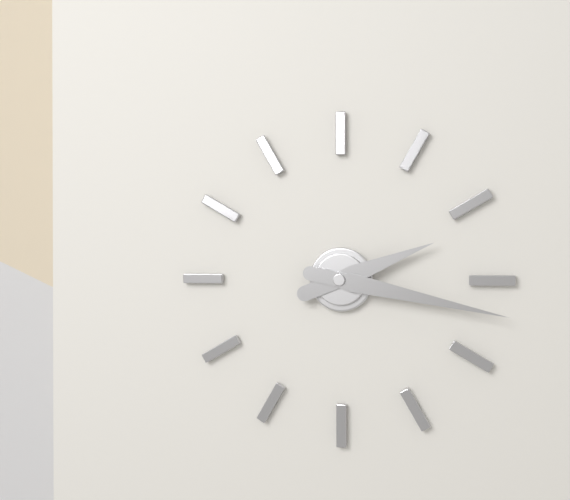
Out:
2.17
